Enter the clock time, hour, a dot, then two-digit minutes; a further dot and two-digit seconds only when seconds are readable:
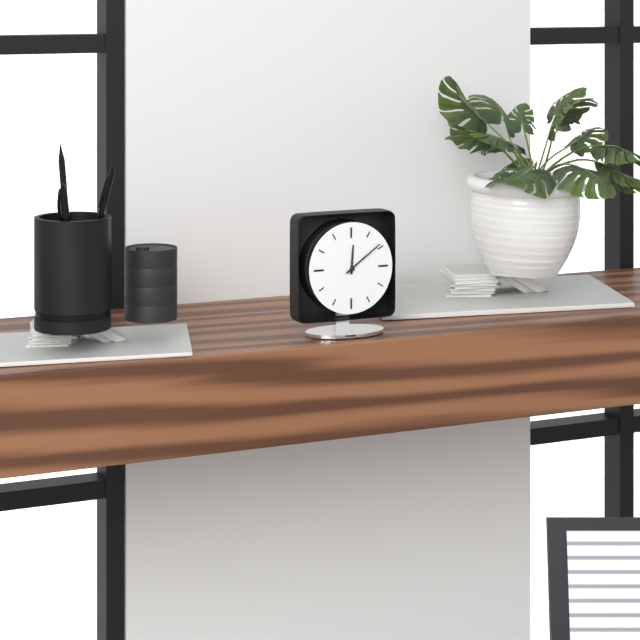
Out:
12.09
